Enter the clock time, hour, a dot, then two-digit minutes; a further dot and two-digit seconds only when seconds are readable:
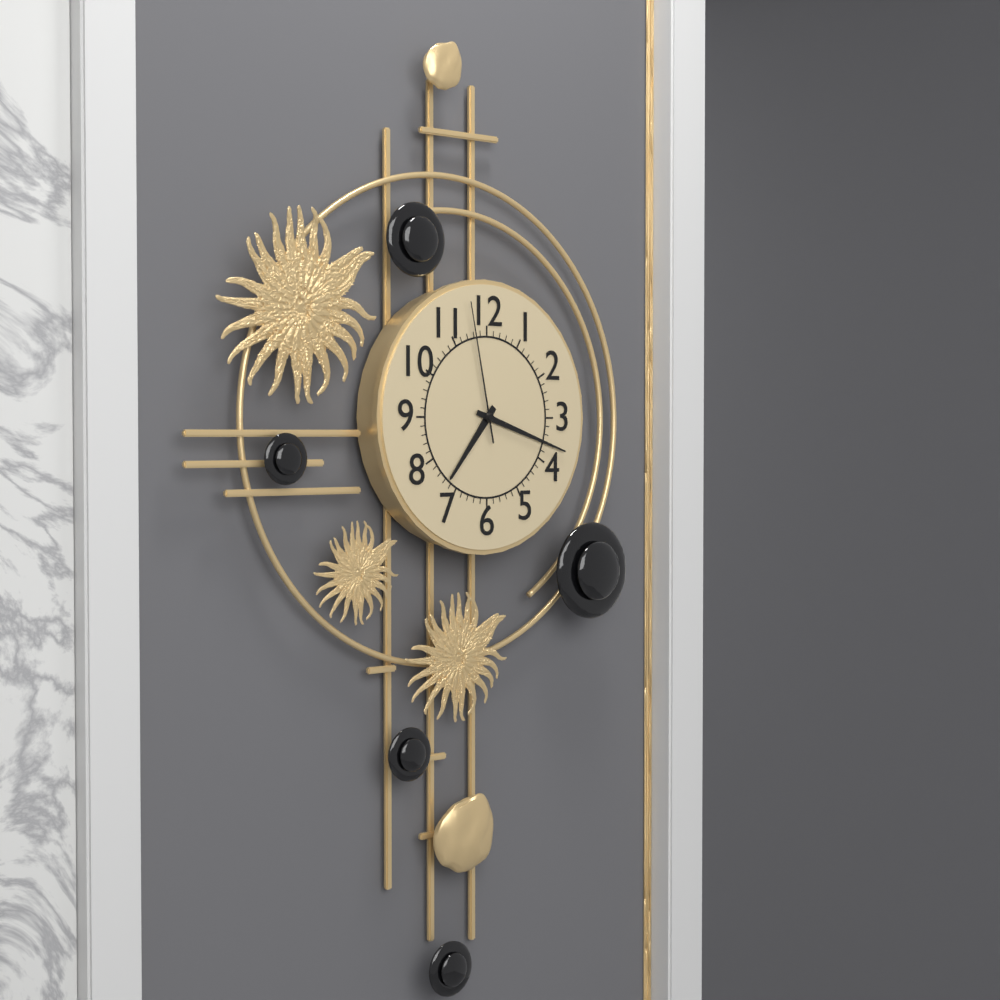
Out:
7.18.58
